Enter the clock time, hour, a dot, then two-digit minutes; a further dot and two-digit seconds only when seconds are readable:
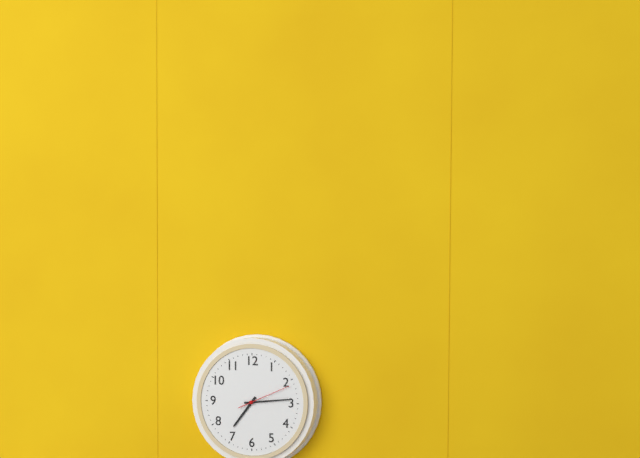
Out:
7.14.11
